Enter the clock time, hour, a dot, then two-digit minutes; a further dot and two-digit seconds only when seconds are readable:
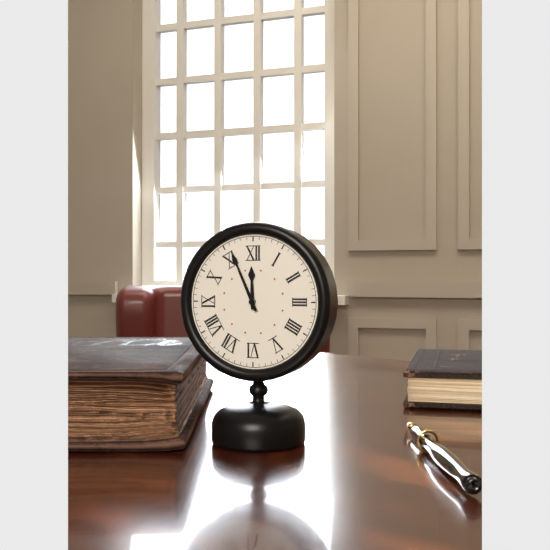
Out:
11.56
